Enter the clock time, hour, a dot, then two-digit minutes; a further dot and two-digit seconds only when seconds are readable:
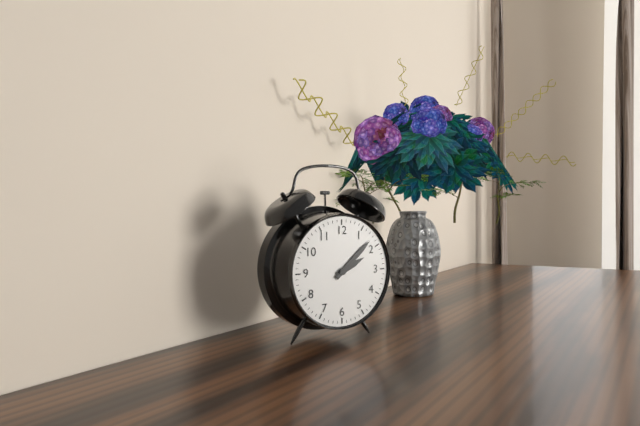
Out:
2.08
